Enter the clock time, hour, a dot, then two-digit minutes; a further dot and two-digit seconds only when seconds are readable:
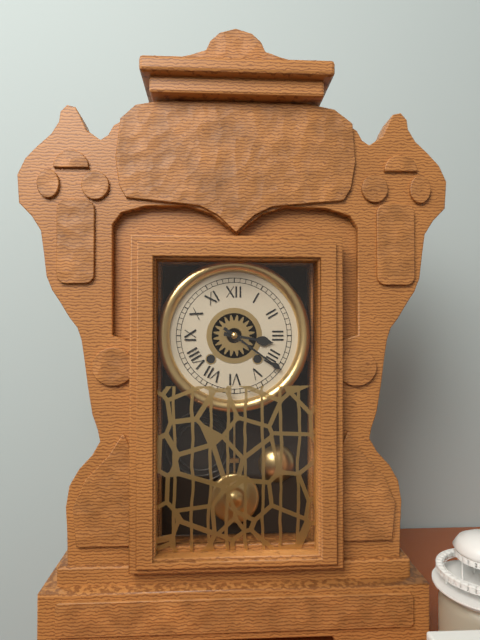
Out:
3.21
